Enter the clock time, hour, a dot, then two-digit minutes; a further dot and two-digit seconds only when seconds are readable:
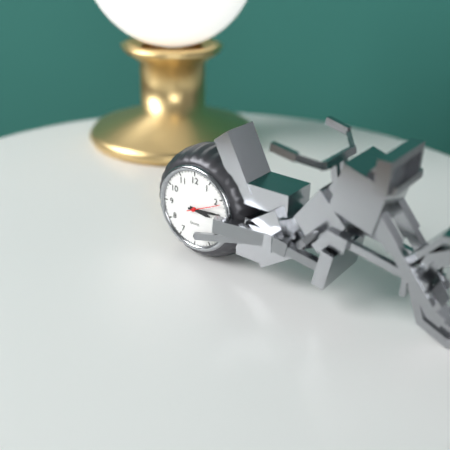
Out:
3.14
